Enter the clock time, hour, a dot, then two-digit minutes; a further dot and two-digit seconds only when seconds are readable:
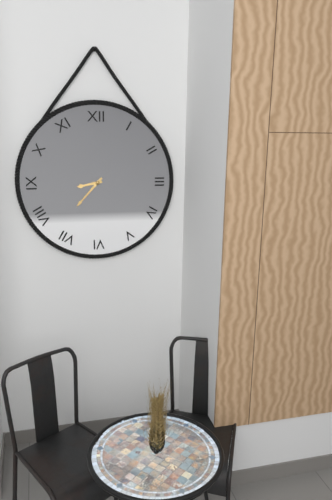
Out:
8.37
